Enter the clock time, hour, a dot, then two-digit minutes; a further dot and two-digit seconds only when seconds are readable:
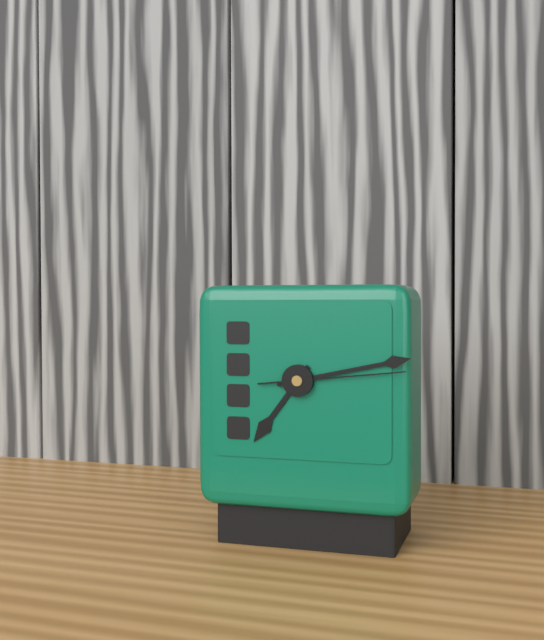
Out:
7.13.14
